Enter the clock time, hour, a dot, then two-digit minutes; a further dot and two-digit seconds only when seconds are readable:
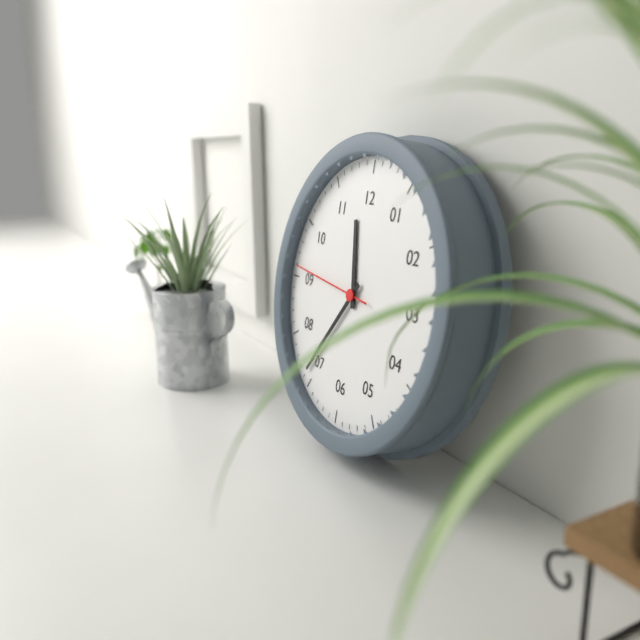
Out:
11.36.46
